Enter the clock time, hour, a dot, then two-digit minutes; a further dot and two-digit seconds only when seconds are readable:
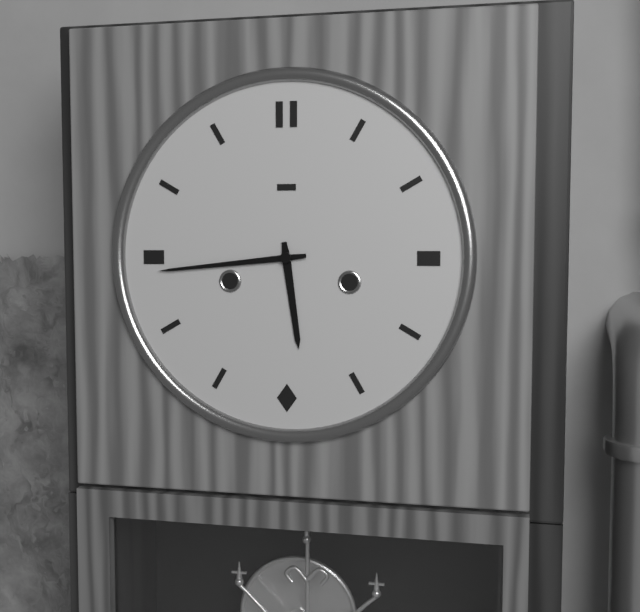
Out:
5.44
